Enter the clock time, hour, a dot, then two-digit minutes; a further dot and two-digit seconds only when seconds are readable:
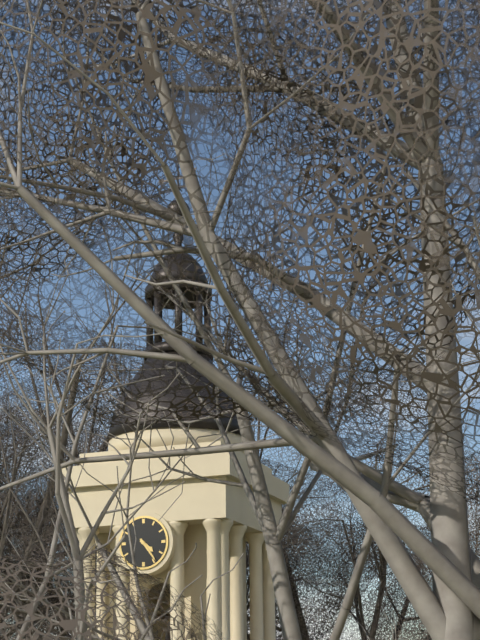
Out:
4.24
